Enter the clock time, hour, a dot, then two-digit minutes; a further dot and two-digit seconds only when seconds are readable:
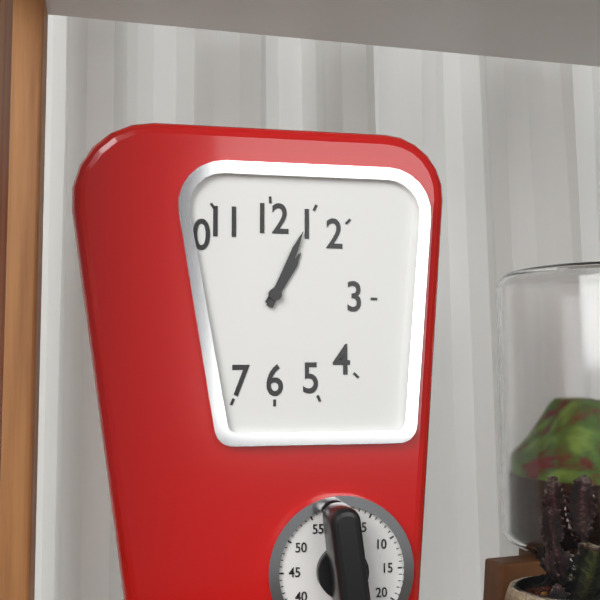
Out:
1.04
